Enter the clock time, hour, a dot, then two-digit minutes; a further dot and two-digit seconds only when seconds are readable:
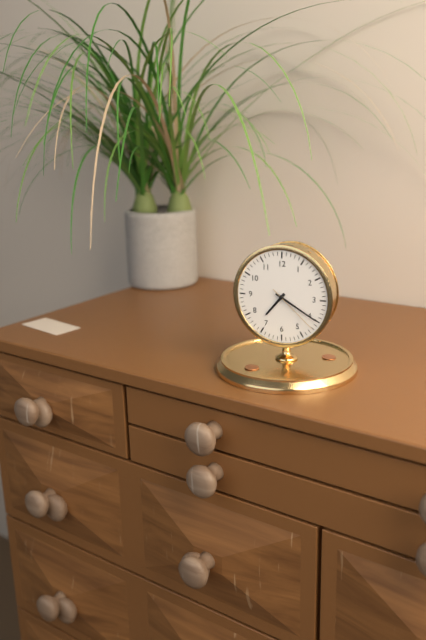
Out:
7.20.22
